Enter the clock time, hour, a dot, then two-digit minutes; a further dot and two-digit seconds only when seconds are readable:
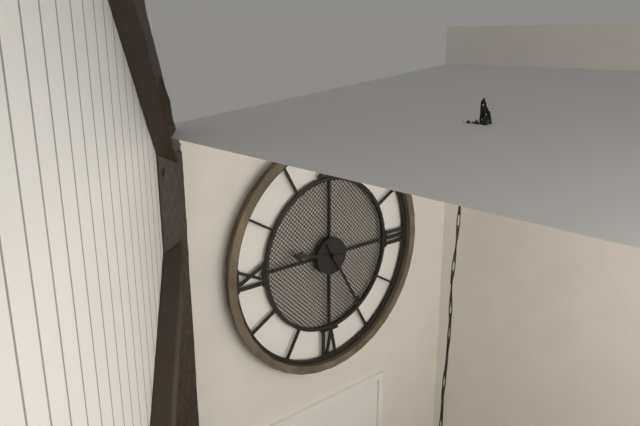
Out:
9.25
